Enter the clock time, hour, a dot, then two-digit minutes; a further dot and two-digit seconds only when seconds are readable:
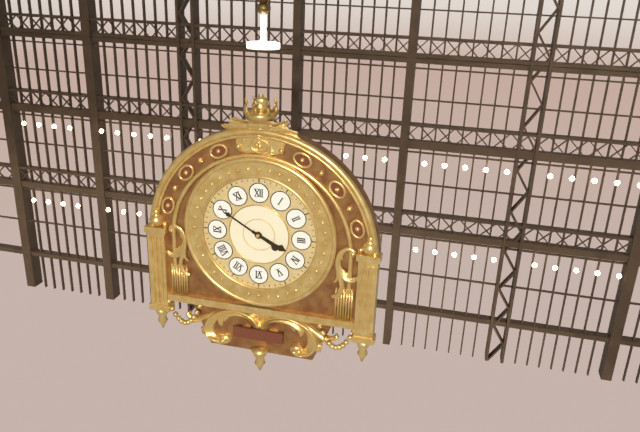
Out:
3.50
